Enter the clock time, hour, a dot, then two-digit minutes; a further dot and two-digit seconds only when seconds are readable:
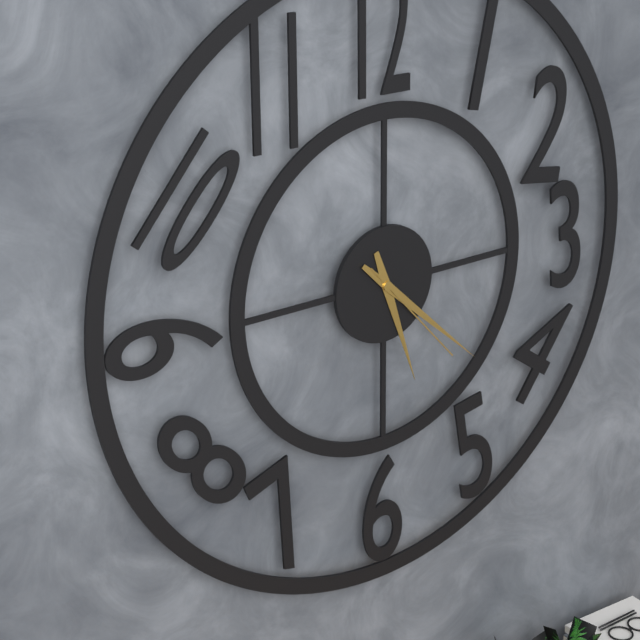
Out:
5.22.23
